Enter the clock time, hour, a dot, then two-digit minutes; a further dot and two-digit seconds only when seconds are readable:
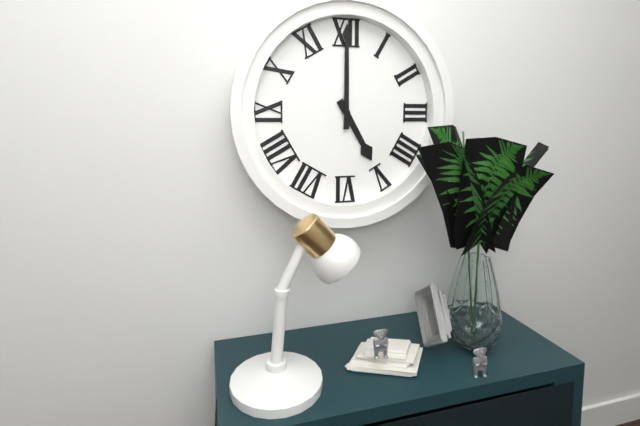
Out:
5.00
